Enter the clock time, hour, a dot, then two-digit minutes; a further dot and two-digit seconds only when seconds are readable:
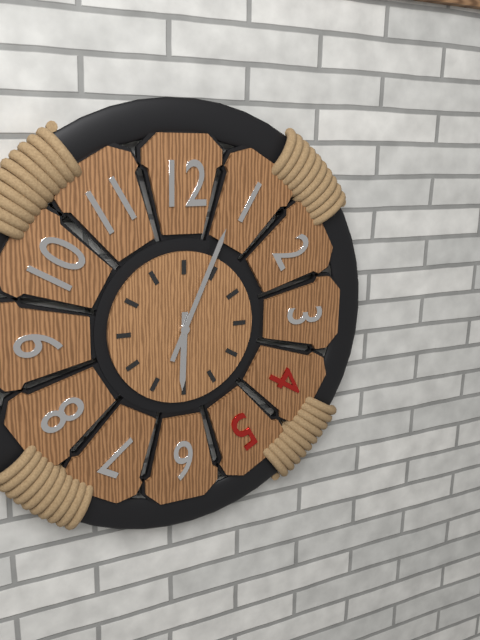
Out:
6.04
